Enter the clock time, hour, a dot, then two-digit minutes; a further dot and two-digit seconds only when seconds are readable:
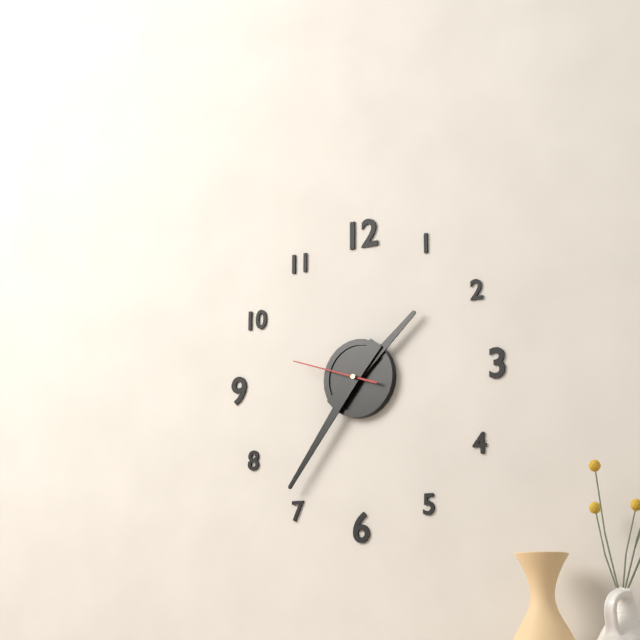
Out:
1.36.48
